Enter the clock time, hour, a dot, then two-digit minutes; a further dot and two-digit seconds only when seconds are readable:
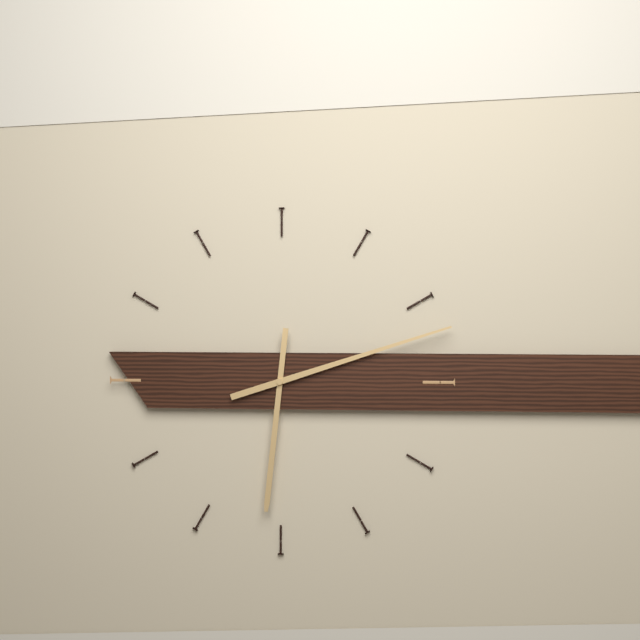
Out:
6.12
